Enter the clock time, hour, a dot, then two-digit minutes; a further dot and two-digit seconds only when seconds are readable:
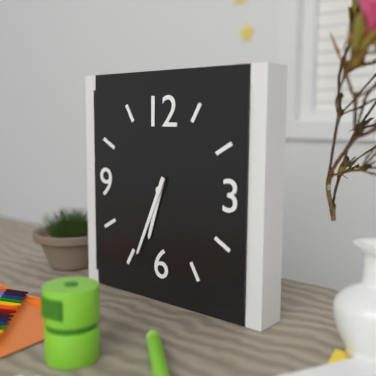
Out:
6.34
